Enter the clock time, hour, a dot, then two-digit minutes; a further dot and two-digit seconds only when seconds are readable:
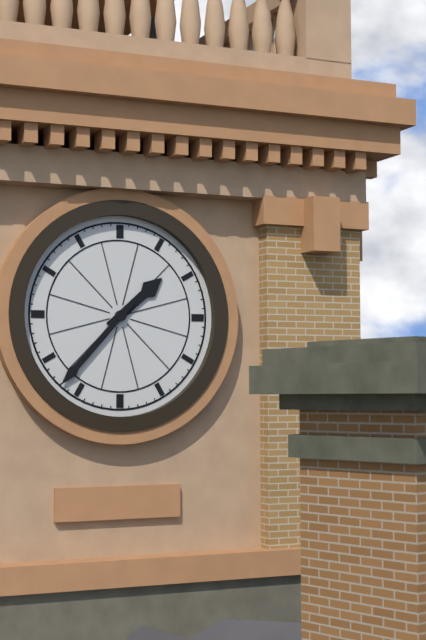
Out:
1.37
